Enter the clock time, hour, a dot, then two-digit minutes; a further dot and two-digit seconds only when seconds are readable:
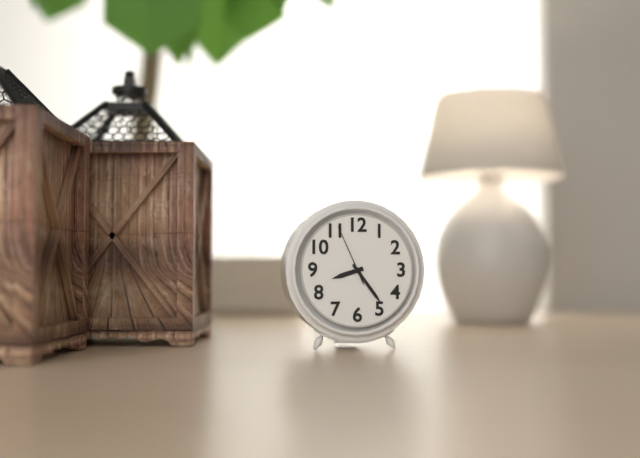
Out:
8.24.56
